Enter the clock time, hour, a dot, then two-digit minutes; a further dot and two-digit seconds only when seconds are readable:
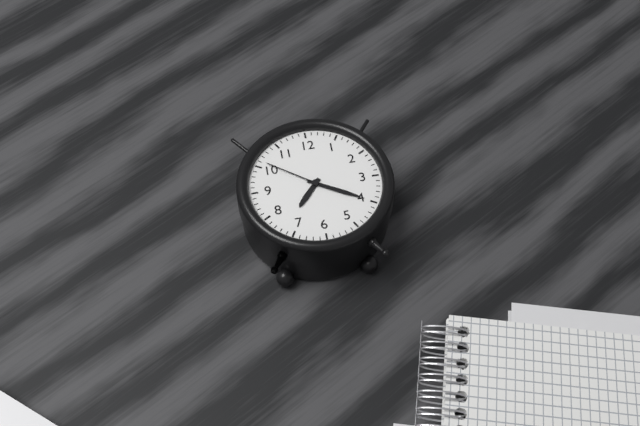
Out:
7.20.51
